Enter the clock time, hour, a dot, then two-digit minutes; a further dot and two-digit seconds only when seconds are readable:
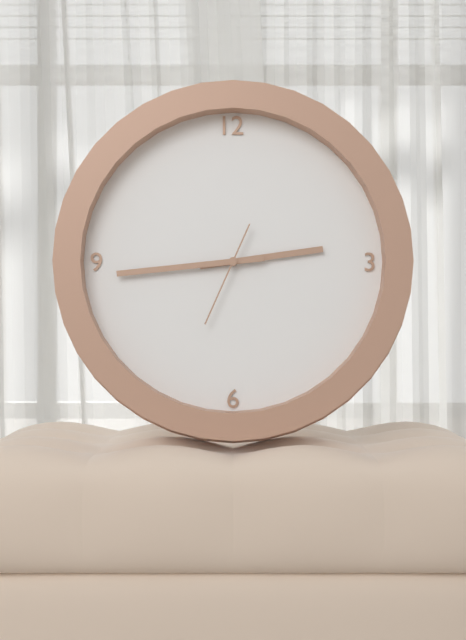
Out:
2.44.34
